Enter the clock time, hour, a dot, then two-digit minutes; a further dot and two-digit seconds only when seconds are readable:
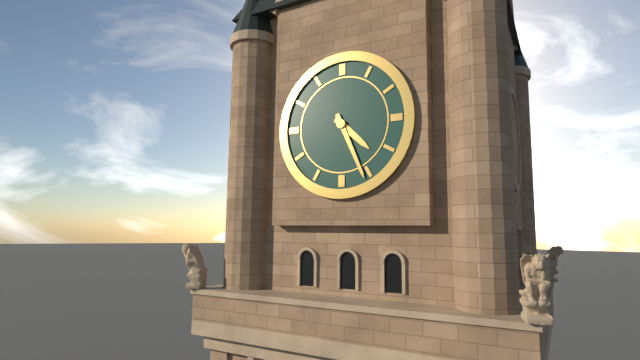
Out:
4.26
